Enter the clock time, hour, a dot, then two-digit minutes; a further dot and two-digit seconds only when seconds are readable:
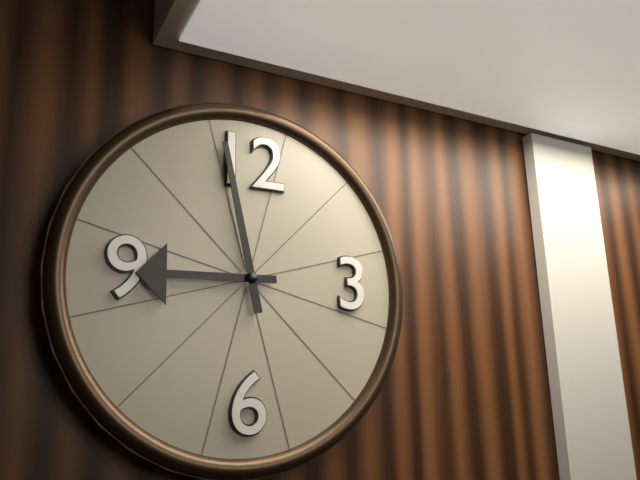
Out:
8.58
